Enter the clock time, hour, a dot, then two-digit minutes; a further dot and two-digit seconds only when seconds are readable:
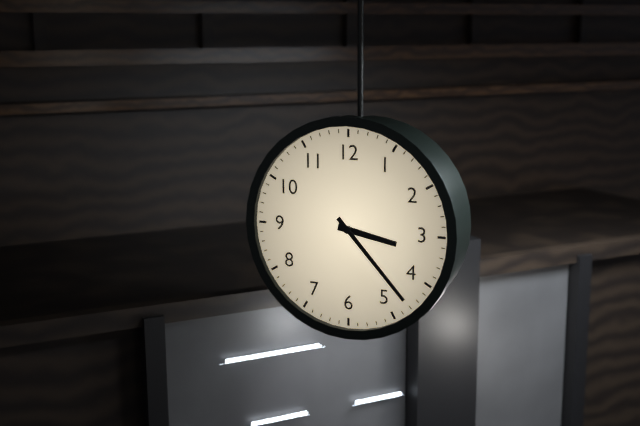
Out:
3.23
